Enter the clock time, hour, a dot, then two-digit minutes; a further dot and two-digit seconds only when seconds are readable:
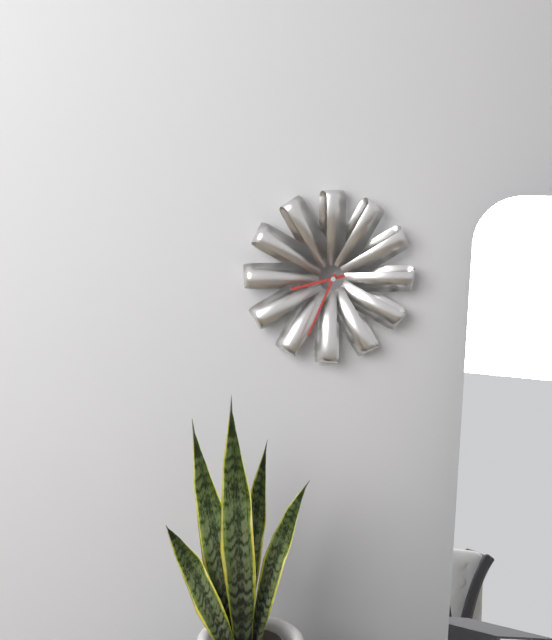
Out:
8.34
